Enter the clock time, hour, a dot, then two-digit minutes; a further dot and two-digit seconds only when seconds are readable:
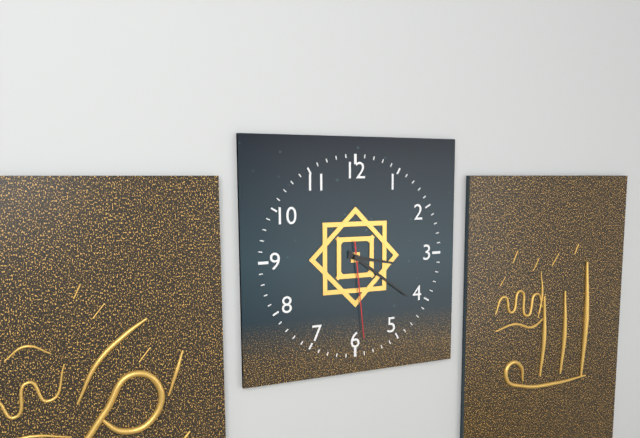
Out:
3.21.29
